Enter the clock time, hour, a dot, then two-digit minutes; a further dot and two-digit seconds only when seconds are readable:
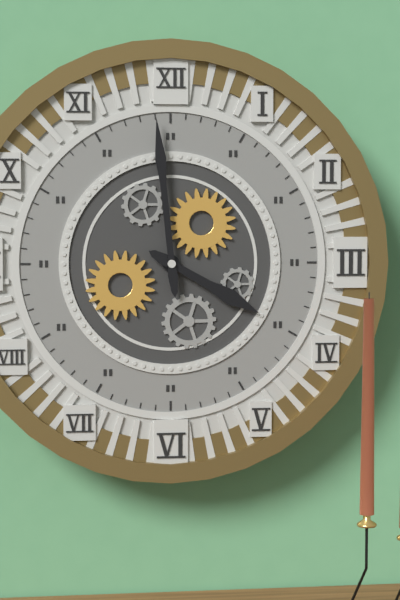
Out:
3.59
